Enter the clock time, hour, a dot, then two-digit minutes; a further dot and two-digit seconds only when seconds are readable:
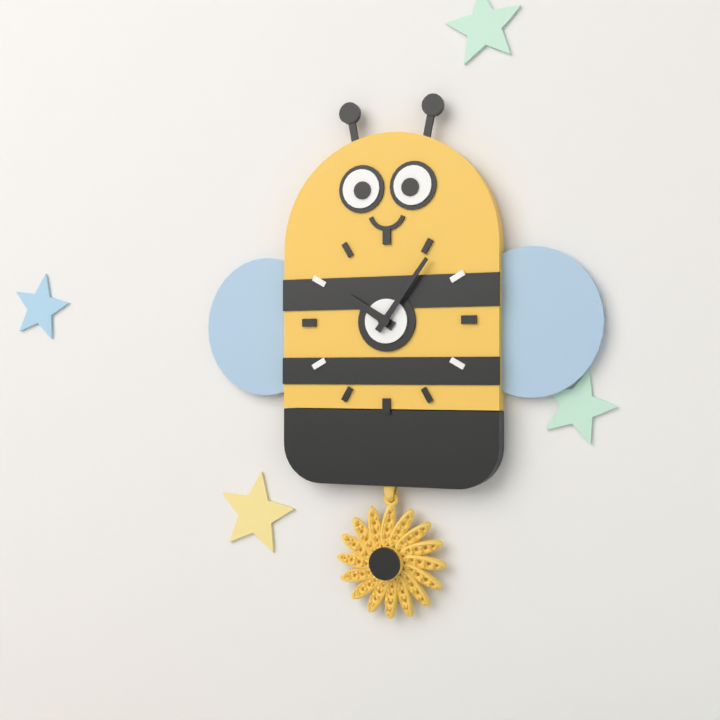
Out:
10.06
